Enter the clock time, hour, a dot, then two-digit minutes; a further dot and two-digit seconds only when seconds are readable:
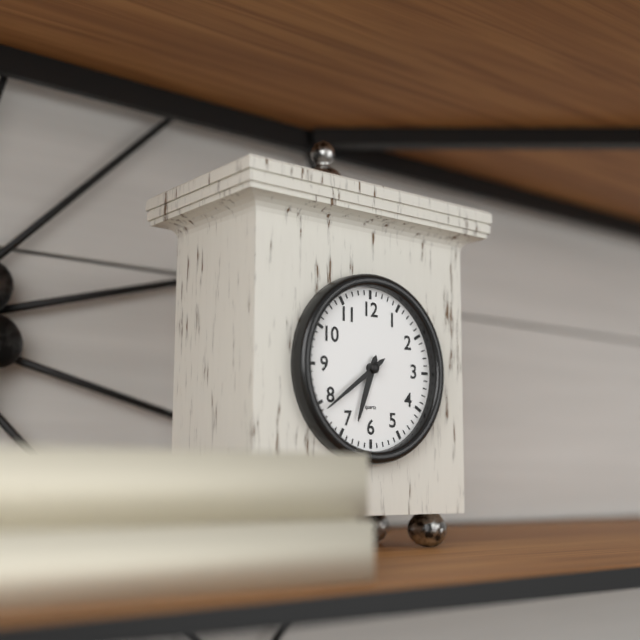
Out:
6.39
